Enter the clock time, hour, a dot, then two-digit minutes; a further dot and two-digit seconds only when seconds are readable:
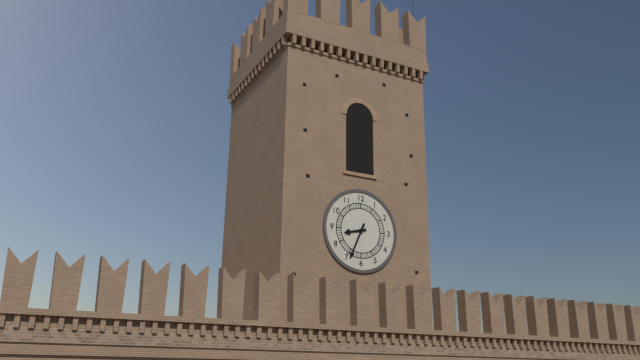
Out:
8.34
